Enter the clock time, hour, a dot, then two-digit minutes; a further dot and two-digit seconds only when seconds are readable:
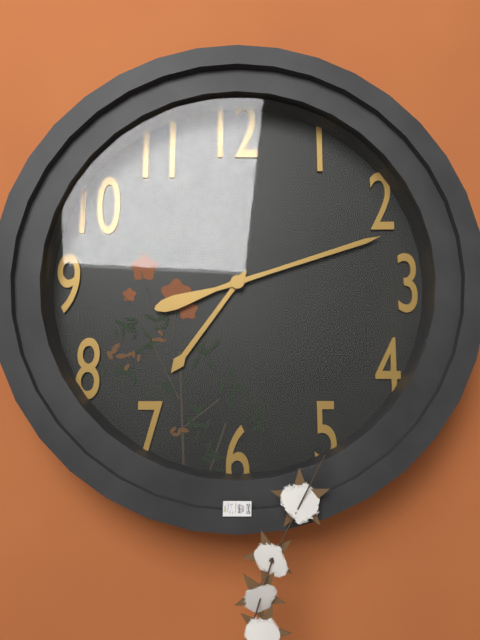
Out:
7.12
